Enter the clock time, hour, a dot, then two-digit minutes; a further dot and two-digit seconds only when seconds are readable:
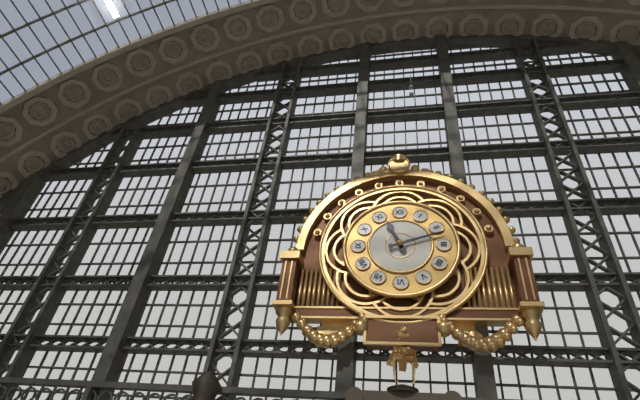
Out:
11.12
